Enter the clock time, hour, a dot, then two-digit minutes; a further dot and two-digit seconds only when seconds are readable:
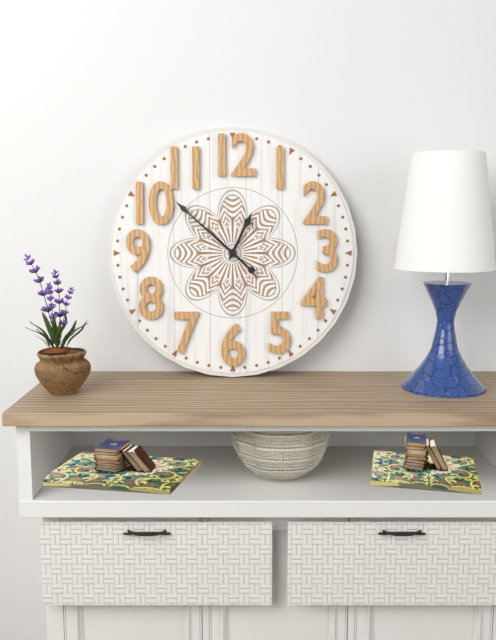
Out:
12.52
